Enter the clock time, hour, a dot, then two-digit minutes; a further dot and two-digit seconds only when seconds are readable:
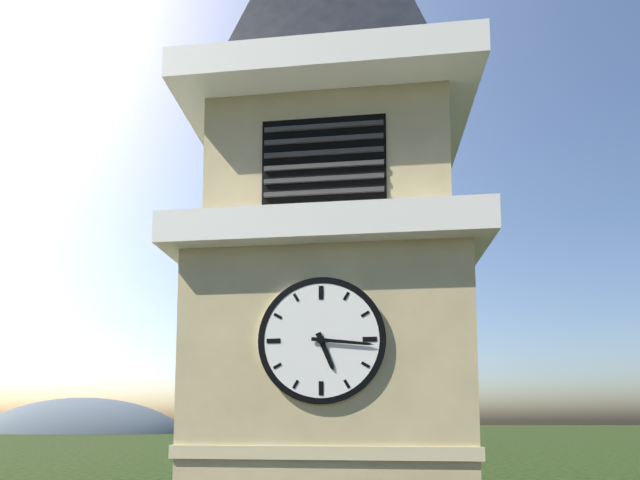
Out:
5.16
